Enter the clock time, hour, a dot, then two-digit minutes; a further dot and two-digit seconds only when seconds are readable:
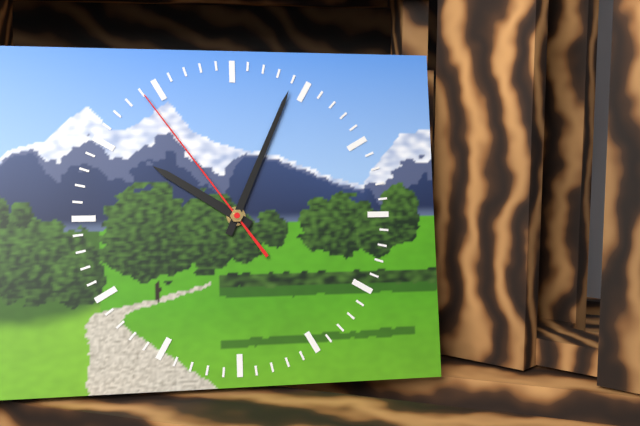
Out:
10.04.54
